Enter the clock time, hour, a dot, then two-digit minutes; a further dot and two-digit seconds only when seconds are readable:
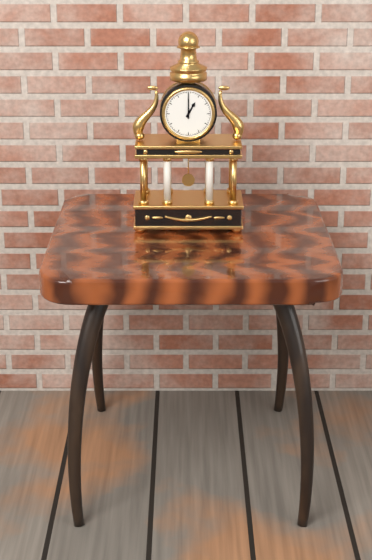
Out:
1.00
